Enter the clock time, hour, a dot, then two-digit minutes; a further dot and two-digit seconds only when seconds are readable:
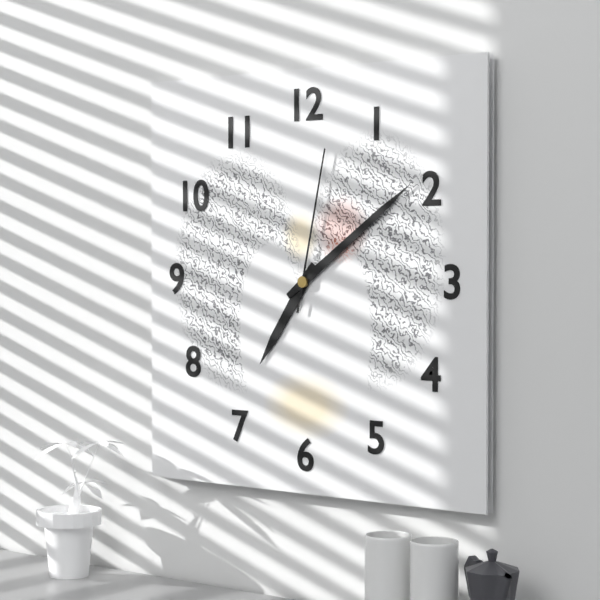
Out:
7.09.02
